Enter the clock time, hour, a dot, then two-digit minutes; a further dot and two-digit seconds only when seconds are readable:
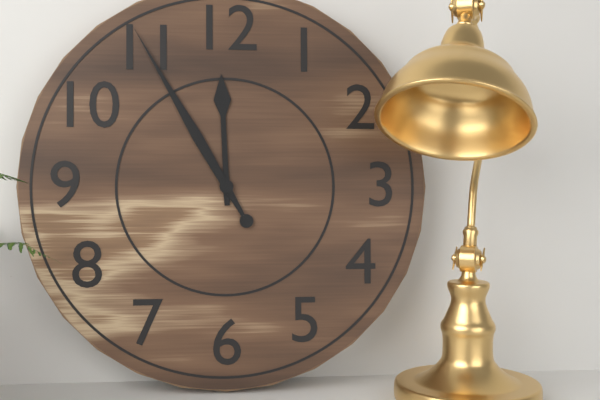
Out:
11.55
